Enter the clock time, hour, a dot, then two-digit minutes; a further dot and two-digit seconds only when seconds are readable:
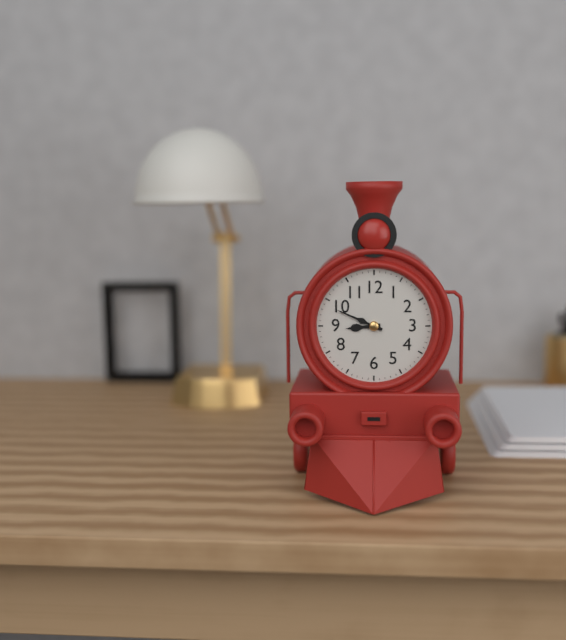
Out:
8.49
